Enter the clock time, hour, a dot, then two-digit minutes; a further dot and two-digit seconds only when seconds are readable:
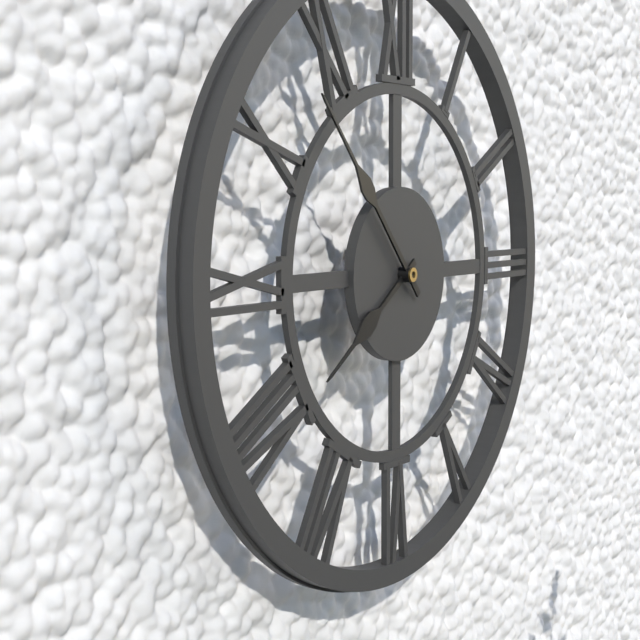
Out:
7.53
